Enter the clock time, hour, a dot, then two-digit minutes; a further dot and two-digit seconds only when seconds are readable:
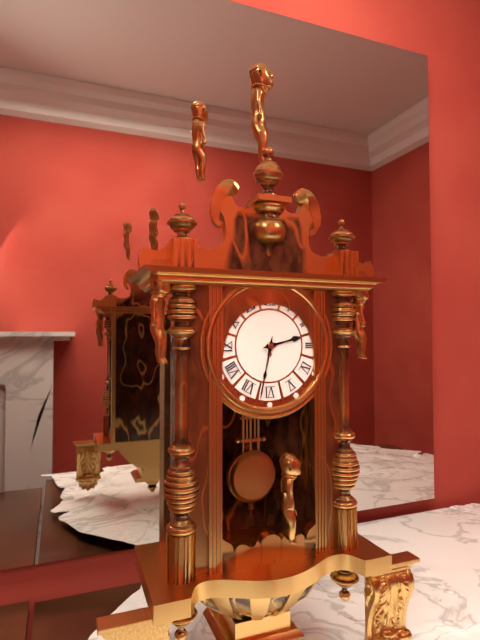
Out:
2.32
